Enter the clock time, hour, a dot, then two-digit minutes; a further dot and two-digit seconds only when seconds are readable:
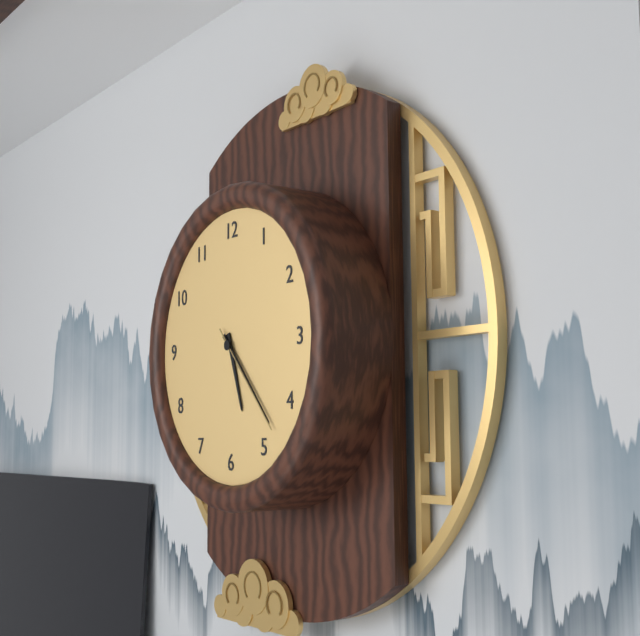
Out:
5.23.23
